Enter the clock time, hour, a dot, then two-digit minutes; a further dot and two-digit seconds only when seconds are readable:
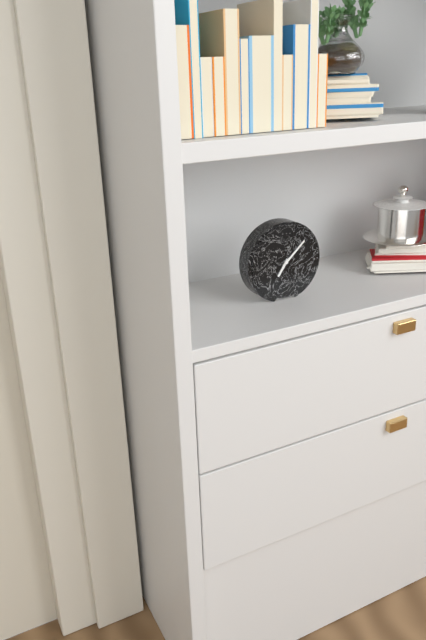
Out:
7.08
